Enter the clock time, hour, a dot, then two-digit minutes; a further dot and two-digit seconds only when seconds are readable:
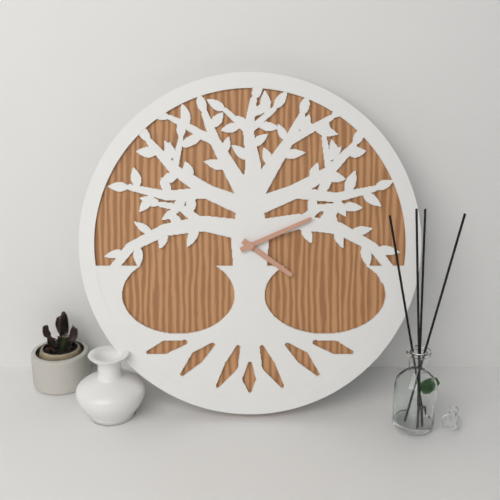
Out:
4.11
